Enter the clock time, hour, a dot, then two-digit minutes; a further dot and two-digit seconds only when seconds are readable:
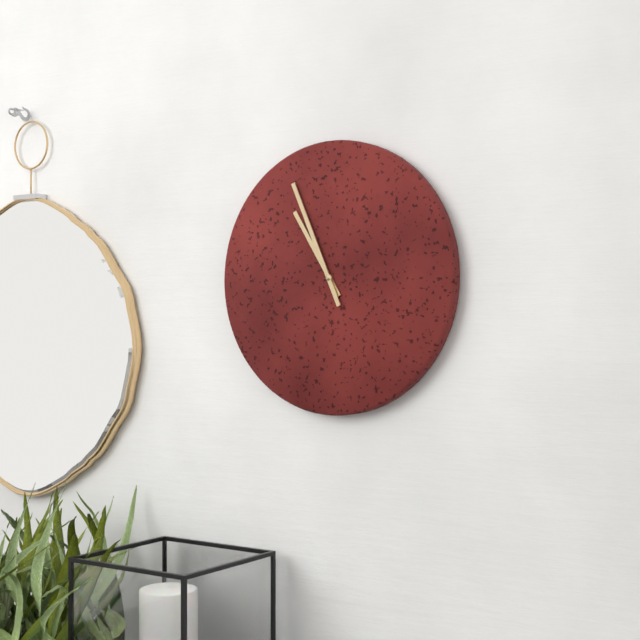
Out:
10.56
